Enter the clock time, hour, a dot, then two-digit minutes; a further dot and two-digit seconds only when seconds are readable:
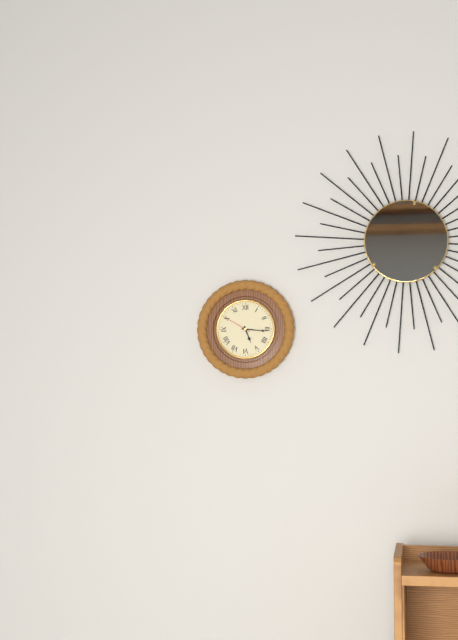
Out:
5.16
